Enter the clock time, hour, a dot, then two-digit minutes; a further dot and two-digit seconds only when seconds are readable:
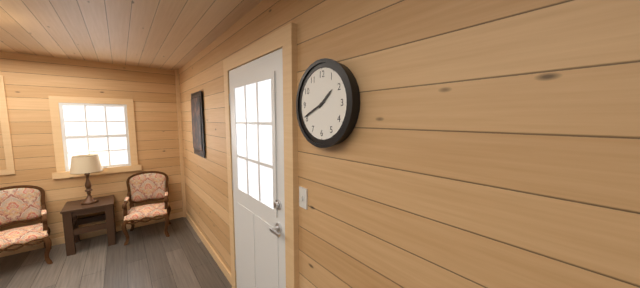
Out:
1.41
